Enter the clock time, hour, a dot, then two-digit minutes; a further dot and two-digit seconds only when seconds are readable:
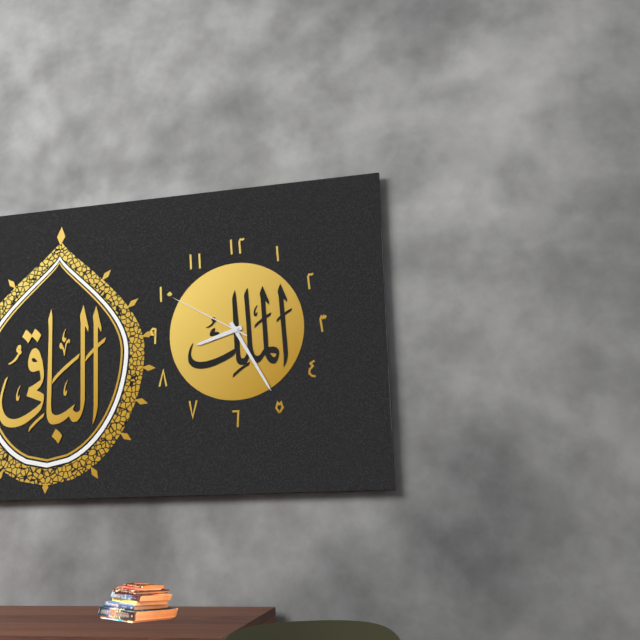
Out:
8.25.50
